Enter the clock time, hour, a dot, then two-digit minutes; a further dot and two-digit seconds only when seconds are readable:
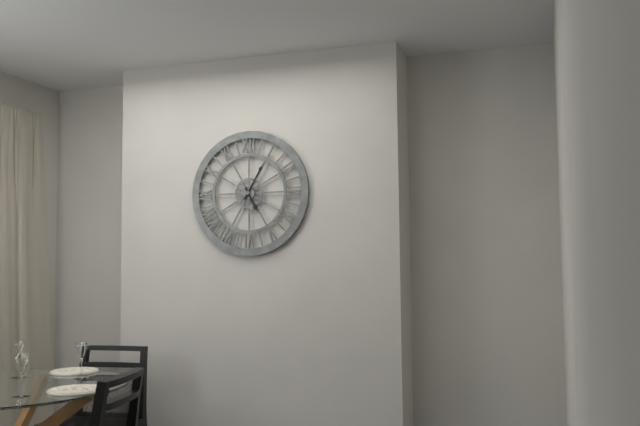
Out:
5.05
